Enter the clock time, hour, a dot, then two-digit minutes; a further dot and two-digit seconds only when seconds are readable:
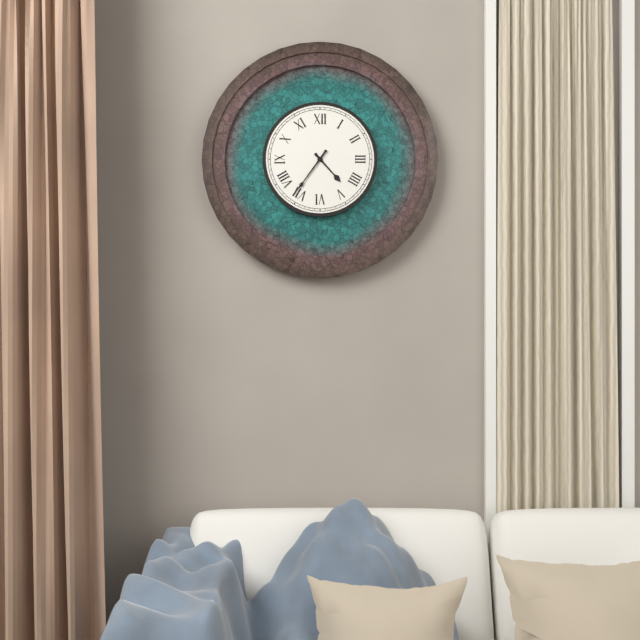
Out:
4.36
